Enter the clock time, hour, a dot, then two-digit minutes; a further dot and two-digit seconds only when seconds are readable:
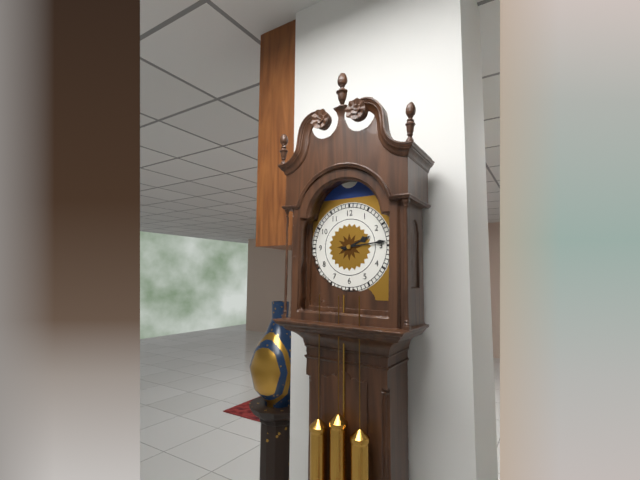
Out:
2.14
